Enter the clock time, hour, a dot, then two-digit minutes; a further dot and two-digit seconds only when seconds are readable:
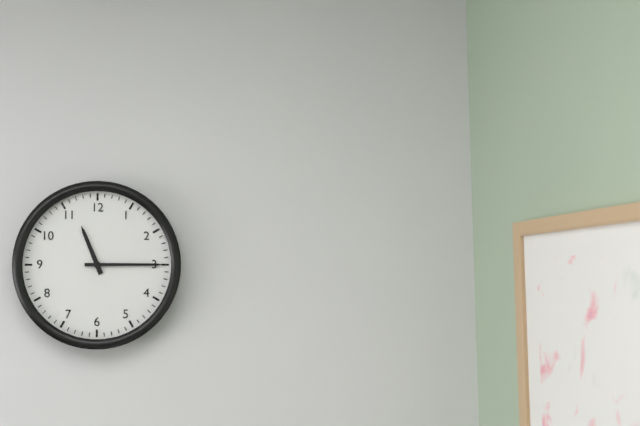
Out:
11.15
